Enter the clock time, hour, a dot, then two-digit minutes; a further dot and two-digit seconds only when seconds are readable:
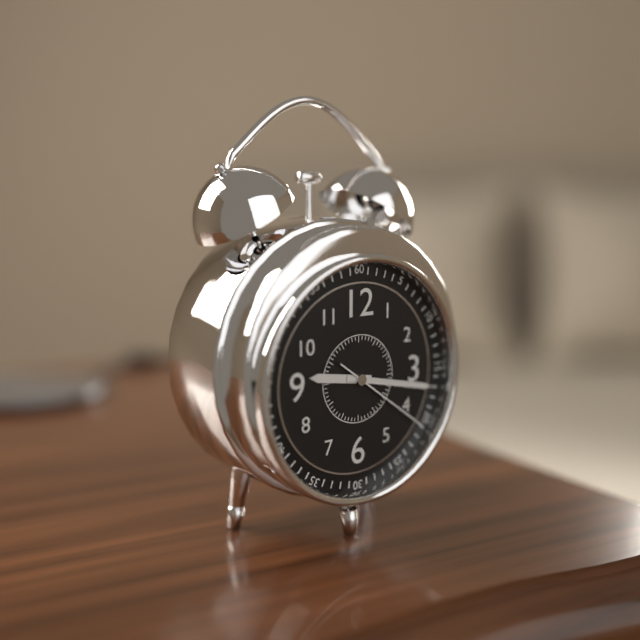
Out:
9.17.21
